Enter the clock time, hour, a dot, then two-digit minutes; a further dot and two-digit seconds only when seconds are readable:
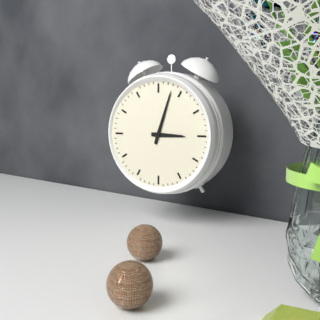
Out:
3.03
